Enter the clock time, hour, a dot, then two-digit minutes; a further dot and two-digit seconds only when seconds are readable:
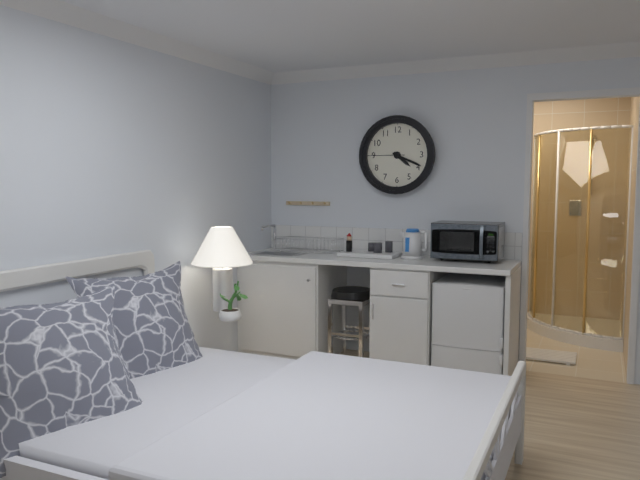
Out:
4.19
